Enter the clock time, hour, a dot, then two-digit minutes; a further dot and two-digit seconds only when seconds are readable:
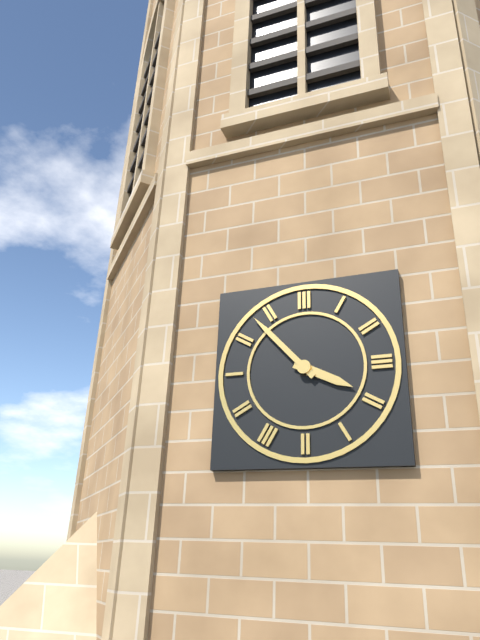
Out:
3.53
